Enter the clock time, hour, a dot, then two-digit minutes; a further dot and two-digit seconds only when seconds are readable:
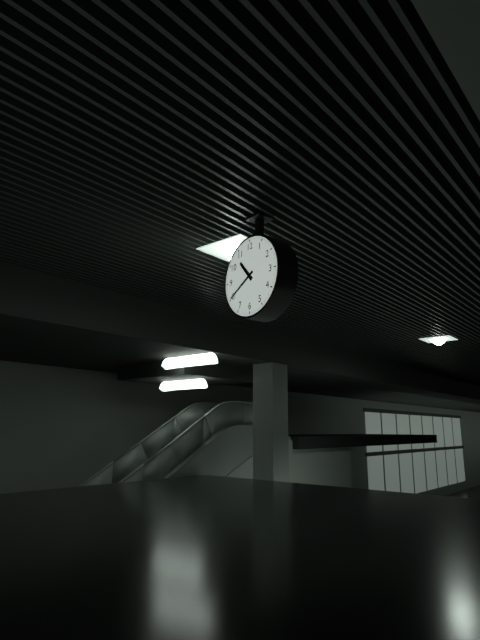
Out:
10.40
